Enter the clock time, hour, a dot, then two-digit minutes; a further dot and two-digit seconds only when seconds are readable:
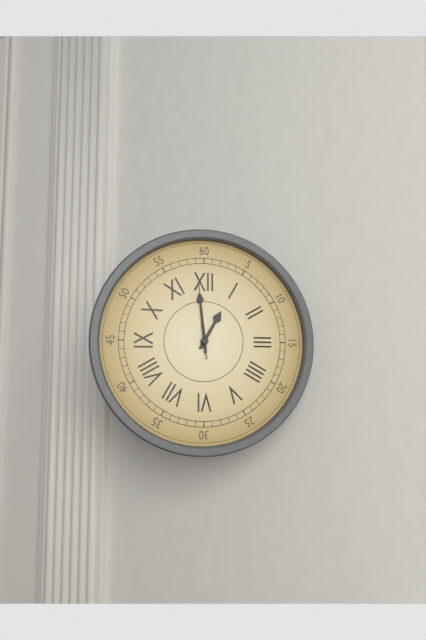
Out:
12.59.59
